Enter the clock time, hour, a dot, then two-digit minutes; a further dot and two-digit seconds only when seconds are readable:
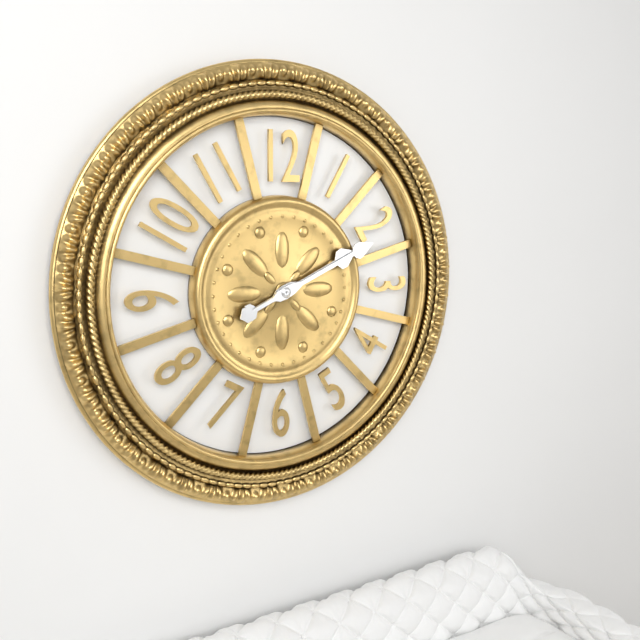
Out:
2.11
